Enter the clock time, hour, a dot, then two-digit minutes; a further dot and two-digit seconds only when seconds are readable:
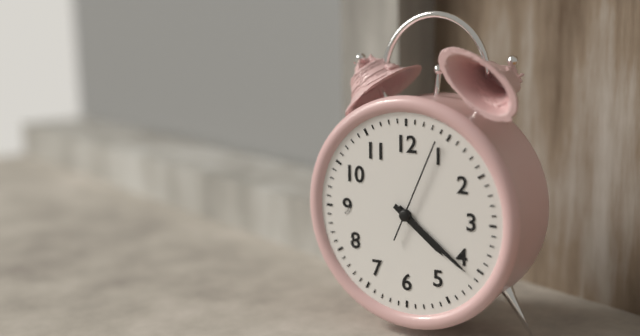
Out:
4.21.04
